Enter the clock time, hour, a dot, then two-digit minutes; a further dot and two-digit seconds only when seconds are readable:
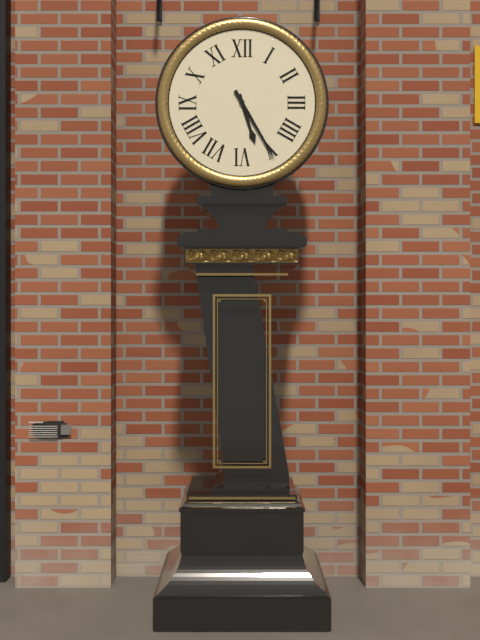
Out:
5.25
